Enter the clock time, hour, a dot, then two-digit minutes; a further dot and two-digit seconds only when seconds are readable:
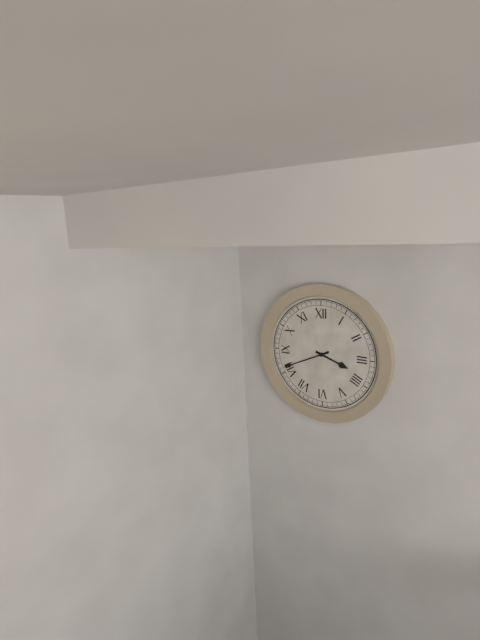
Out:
3.41
